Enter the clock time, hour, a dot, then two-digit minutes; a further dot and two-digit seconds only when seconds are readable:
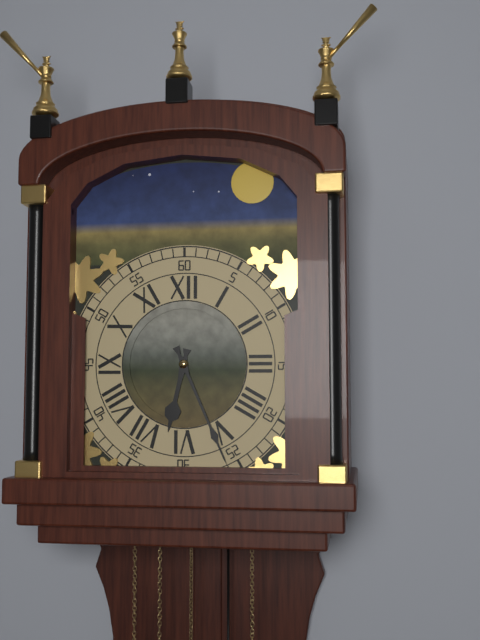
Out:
6.26
